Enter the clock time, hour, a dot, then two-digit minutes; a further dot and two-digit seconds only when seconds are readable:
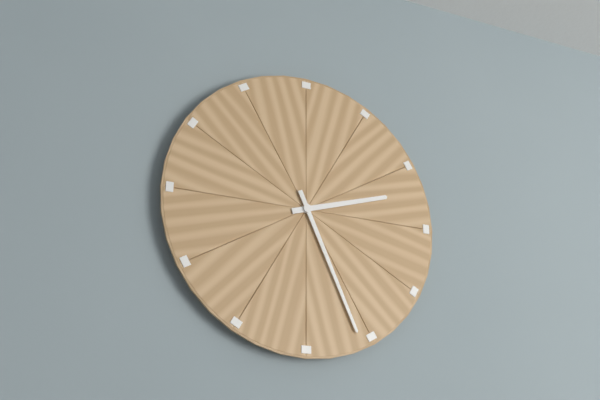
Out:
2.26
